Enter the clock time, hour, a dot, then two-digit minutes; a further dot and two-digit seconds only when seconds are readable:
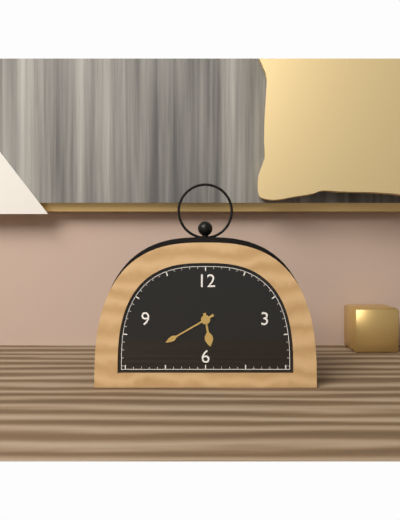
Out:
5.40
